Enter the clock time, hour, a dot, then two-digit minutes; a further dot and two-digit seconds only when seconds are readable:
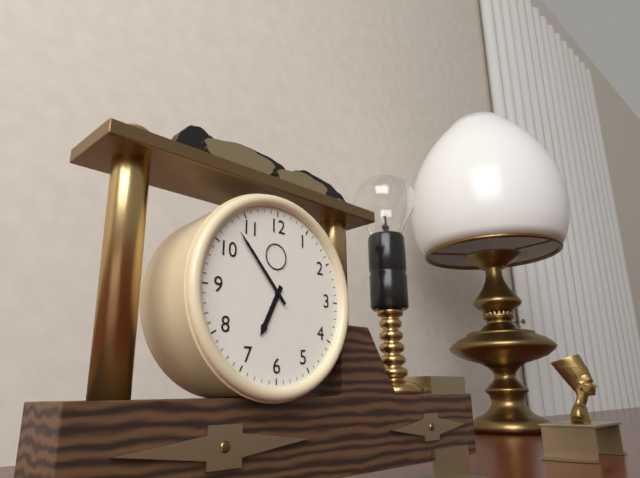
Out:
6.53
